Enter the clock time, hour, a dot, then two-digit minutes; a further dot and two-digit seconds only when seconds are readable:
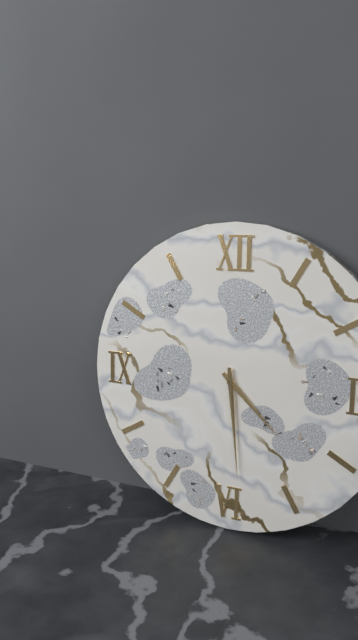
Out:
4.29
